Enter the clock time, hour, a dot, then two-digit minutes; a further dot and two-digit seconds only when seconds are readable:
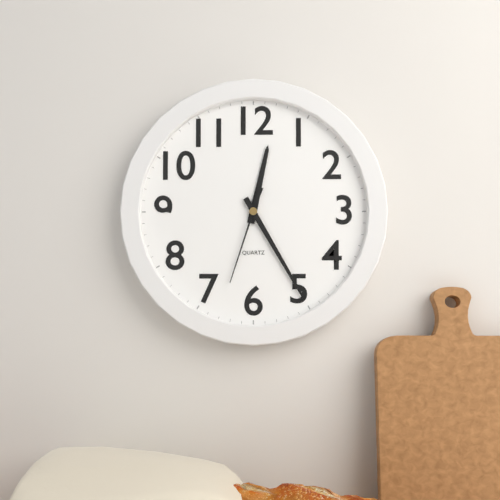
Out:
12.25.33
